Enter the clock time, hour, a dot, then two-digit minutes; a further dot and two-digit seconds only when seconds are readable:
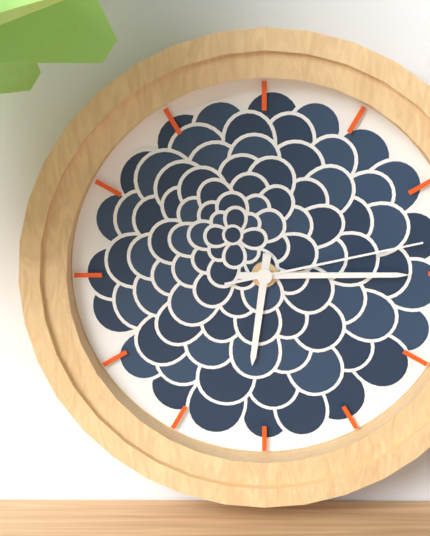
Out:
6.15.13
